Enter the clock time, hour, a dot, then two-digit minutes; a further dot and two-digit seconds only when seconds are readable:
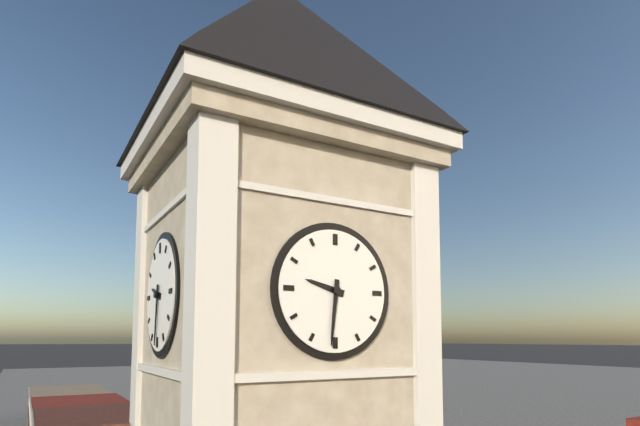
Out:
9.31
